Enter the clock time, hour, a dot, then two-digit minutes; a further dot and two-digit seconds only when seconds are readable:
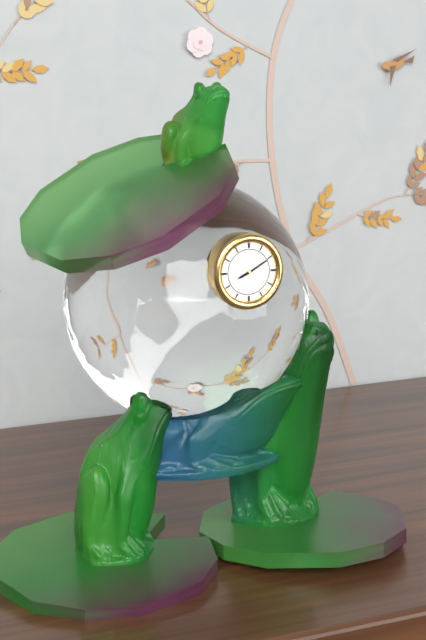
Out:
8.10
